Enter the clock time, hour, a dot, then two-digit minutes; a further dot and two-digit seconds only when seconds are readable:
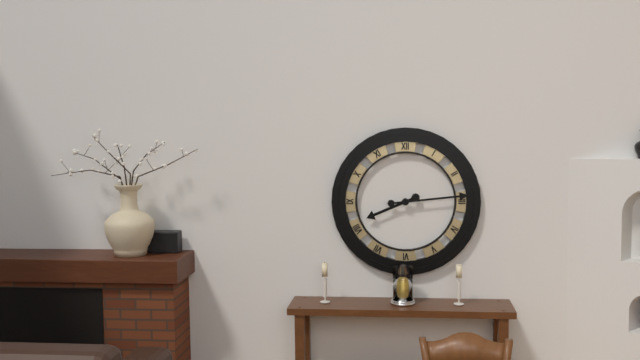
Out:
8.14
